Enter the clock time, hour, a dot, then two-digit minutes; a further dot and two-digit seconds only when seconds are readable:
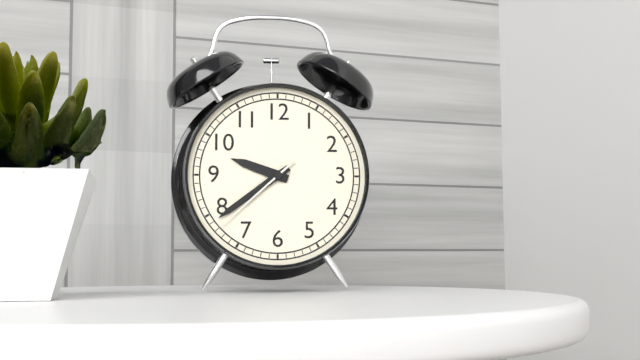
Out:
9.39.38
